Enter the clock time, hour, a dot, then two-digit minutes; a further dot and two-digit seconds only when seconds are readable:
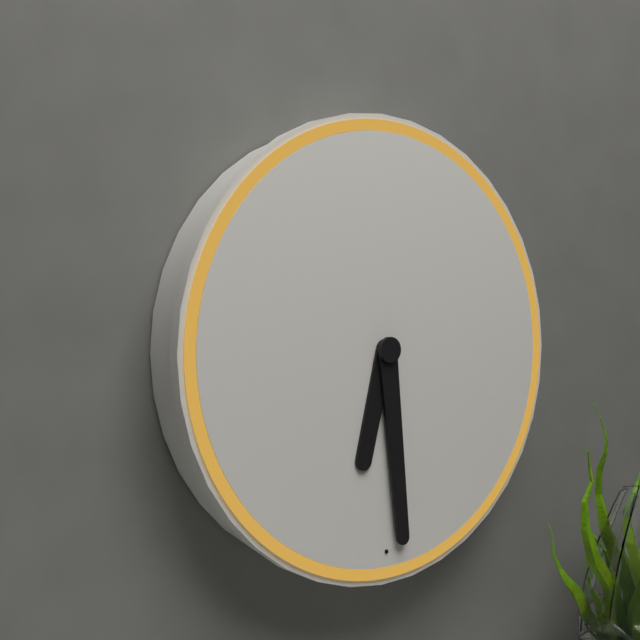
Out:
6.29
